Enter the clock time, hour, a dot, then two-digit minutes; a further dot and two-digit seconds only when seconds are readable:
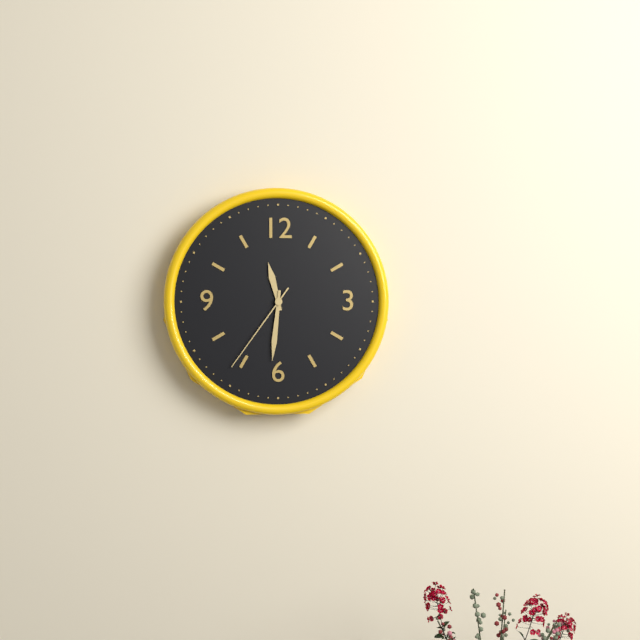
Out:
11.31.36
